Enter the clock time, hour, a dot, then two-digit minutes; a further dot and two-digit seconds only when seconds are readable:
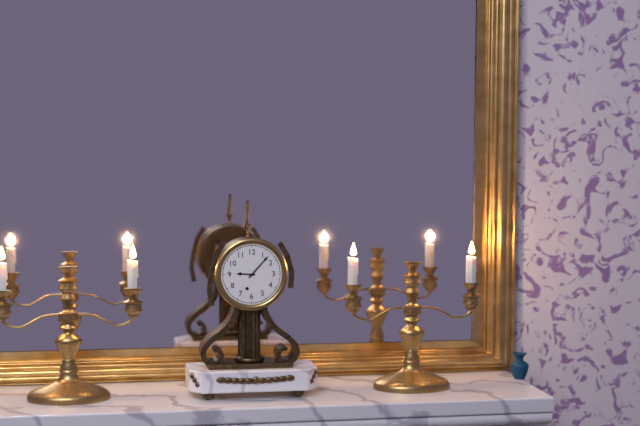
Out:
9.07
